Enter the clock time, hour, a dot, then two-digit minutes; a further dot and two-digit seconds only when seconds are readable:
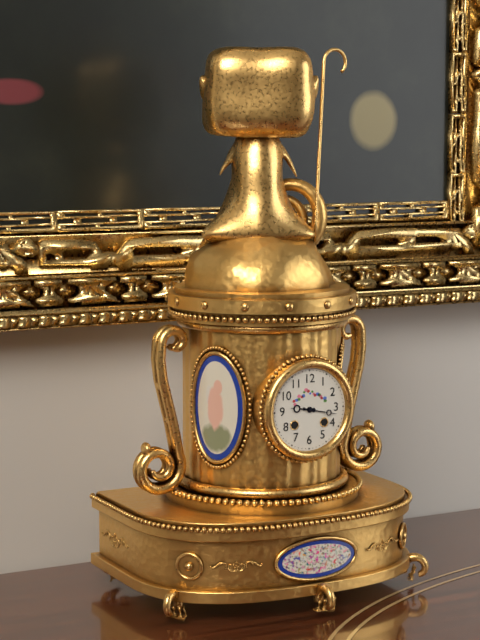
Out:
9.17
